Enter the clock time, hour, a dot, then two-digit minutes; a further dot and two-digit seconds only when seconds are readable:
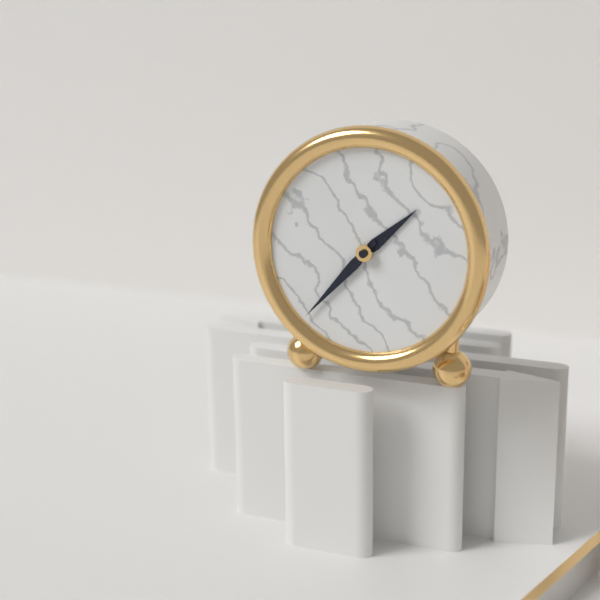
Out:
1.37
